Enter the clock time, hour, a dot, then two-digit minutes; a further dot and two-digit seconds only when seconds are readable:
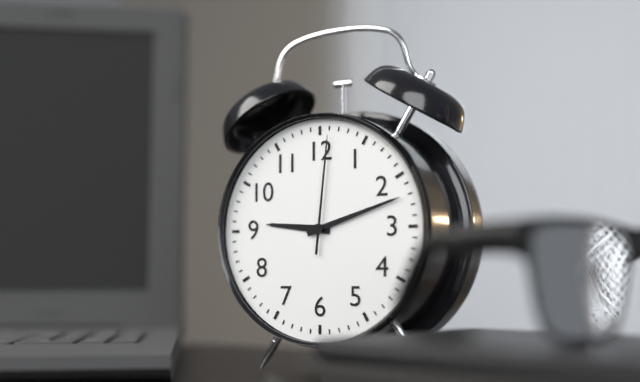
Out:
9.12.01
